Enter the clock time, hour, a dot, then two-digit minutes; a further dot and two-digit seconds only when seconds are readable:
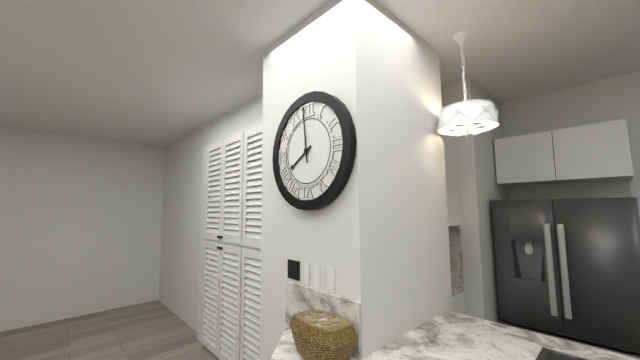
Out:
7.59
